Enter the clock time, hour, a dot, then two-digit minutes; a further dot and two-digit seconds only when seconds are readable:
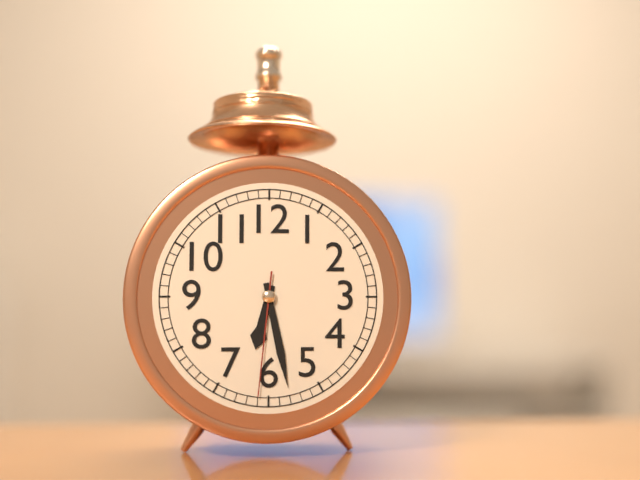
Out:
6.28.31
